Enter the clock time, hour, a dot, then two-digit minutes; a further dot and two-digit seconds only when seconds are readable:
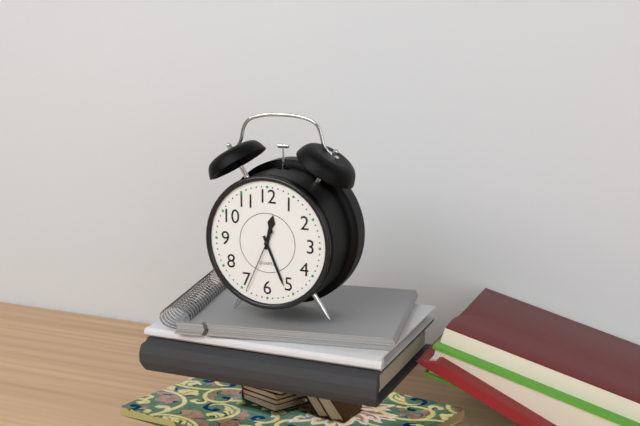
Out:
12.26.34
